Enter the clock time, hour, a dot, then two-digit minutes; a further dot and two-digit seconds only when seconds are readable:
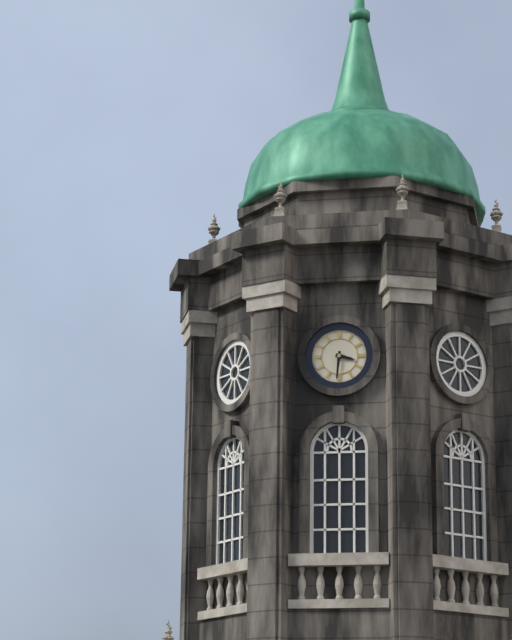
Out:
3.31
